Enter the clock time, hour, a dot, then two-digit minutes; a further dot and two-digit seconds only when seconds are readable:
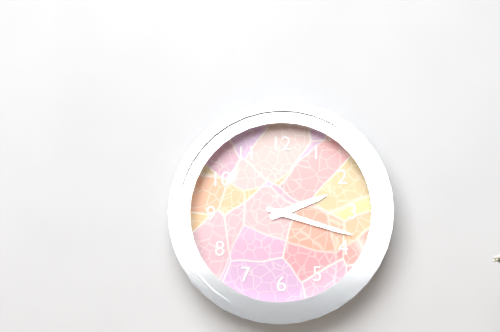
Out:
2.18
